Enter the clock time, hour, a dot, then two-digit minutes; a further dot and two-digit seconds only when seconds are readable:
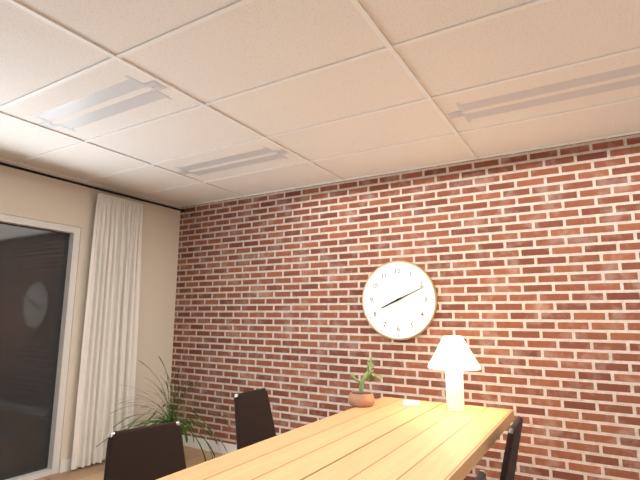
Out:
8.11
